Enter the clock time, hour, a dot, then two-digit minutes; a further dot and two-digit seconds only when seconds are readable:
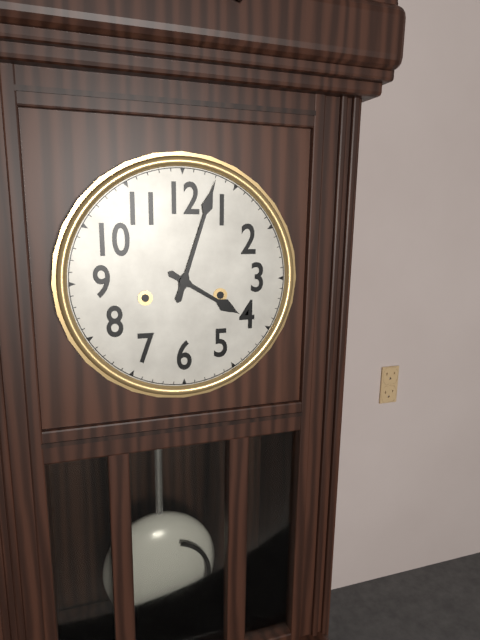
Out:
4.03
